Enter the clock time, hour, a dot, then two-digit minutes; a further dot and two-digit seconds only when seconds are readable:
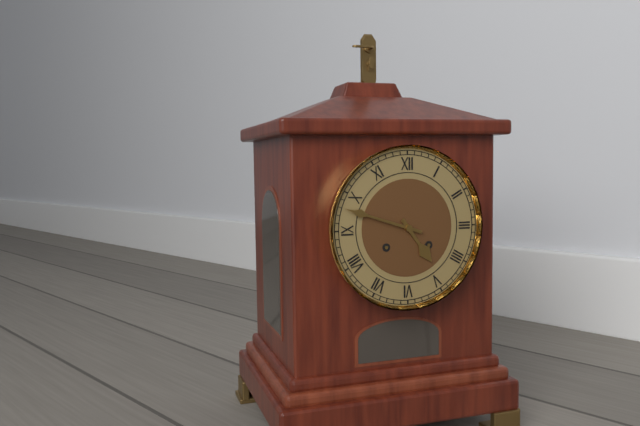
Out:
4.48
